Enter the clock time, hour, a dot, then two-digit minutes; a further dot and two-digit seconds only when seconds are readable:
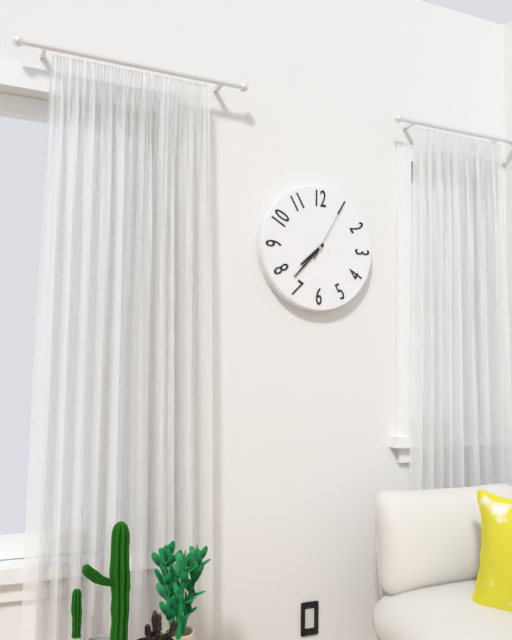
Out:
7.37.05
